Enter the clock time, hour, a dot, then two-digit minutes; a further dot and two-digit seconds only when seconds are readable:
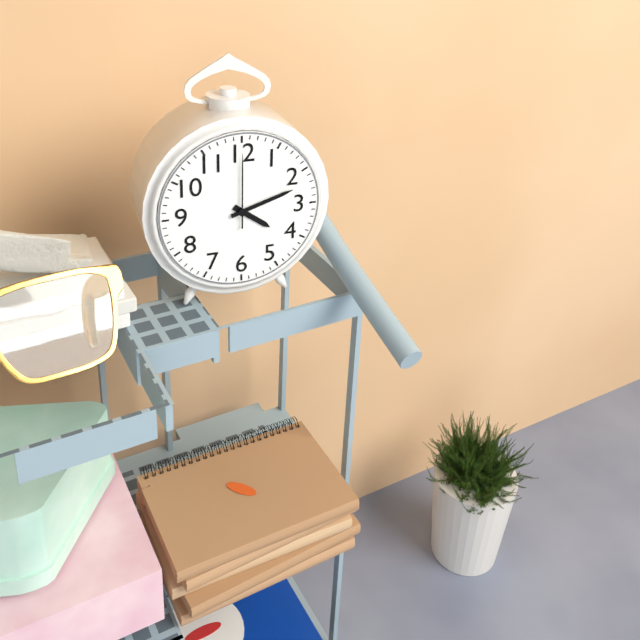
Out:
4.12.00
